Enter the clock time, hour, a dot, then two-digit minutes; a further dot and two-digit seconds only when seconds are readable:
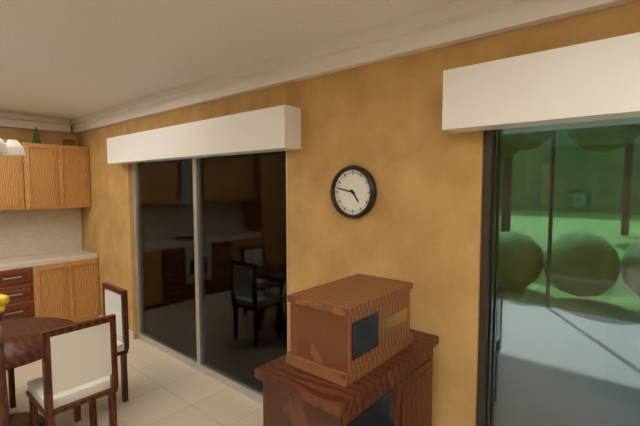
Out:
4.47
